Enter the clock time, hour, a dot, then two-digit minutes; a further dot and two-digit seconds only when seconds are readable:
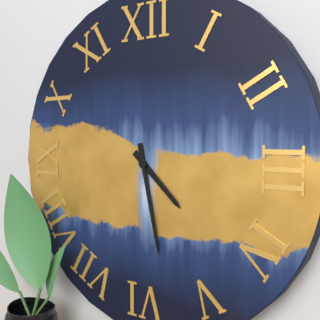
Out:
4.28
